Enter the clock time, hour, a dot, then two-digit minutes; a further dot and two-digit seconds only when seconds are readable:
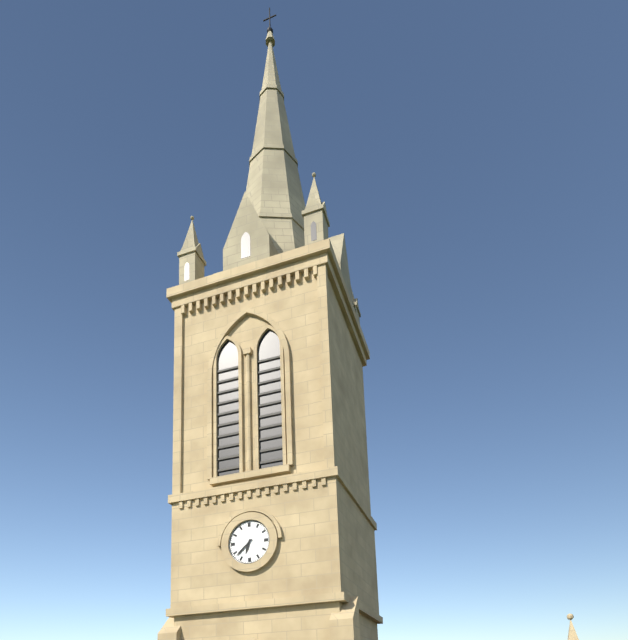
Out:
6.38
